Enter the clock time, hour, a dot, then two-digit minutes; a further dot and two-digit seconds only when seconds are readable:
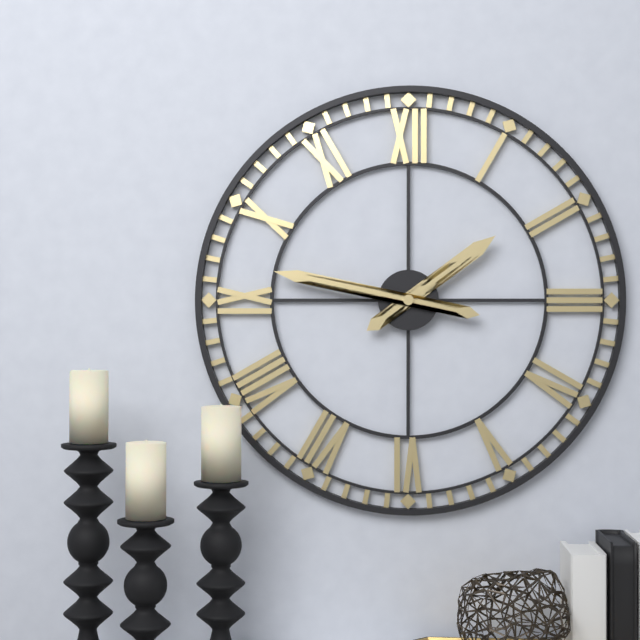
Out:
1.47
